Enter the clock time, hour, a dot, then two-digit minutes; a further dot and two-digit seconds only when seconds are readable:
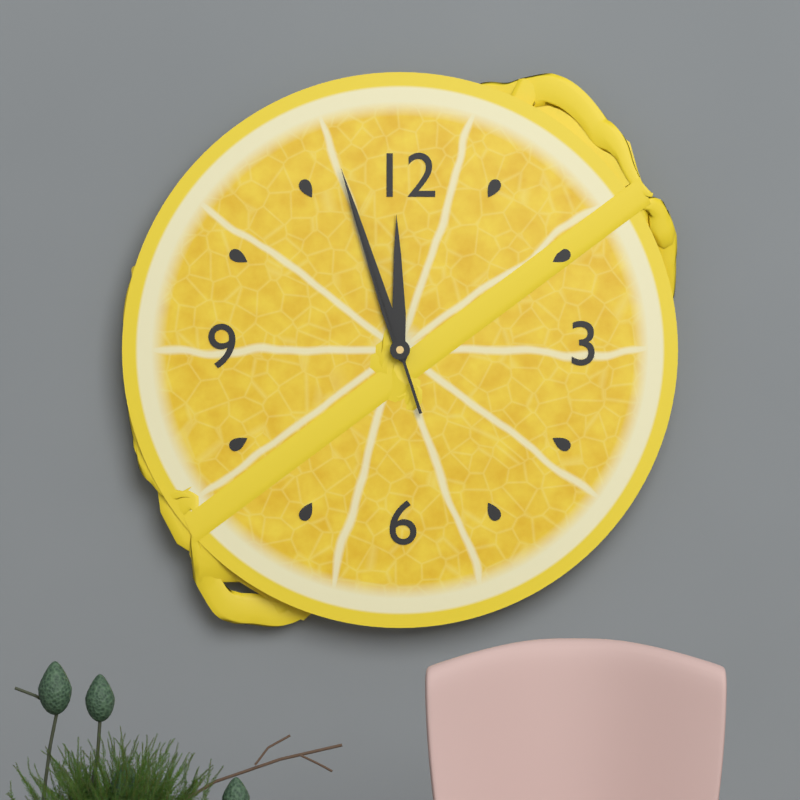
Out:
11.57.57
